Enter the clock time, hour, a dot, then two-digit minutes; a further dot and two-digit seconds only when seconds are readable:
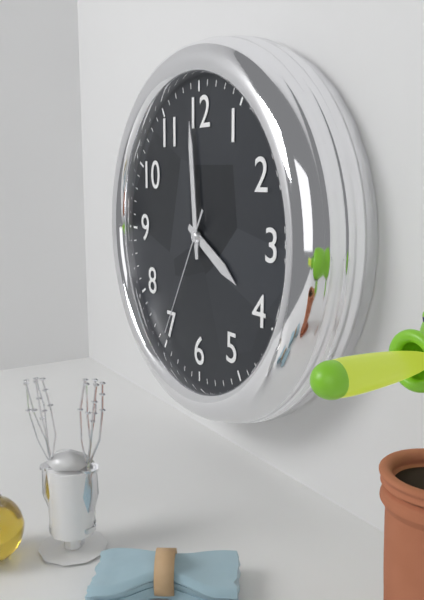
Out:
3.59.35
